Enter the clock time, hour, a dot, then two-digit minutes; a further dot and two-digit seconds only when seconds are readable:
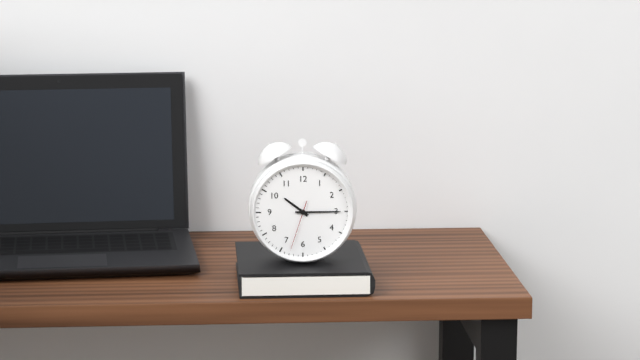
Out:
10.15.33
